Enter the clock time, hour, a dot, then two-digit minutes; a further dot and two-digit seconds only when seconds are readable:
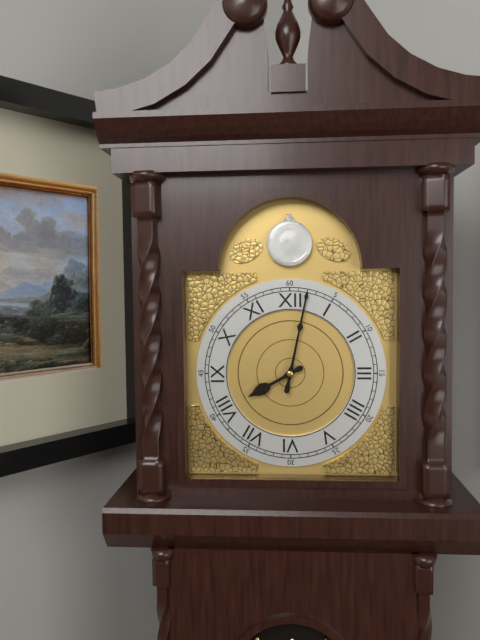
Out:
8.02
